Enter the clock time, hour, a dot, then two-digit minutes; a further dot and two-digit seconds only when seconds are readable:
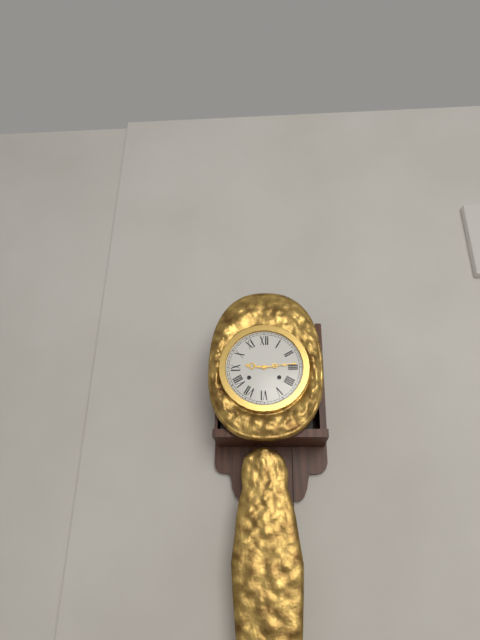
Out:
9.14
